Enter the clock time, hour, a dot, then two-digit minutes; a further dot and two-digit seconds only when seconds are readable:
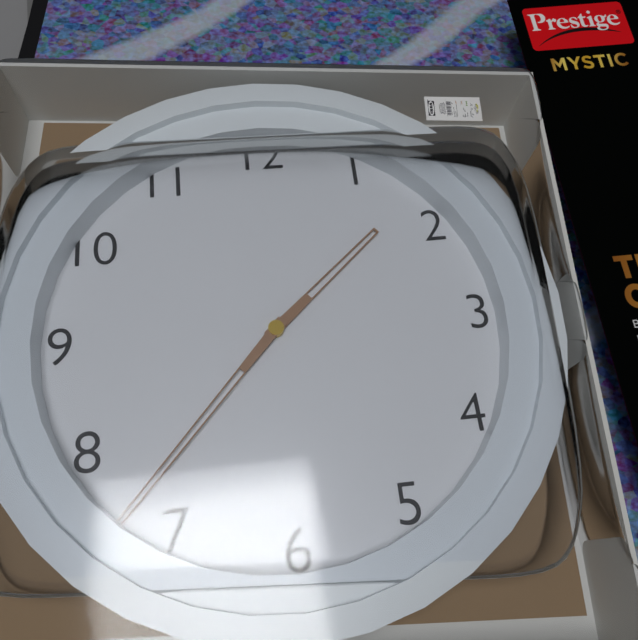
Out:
1.37
